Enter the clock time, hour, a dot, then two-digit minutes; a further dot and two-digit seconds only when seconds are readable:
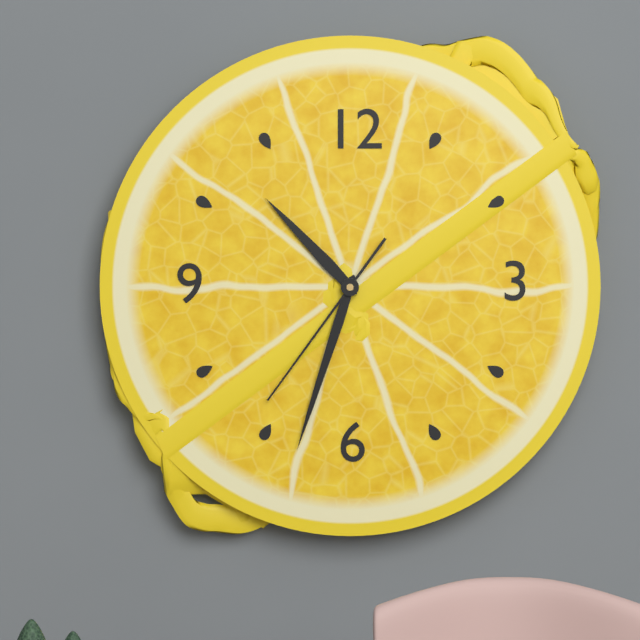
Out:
10.33.36
